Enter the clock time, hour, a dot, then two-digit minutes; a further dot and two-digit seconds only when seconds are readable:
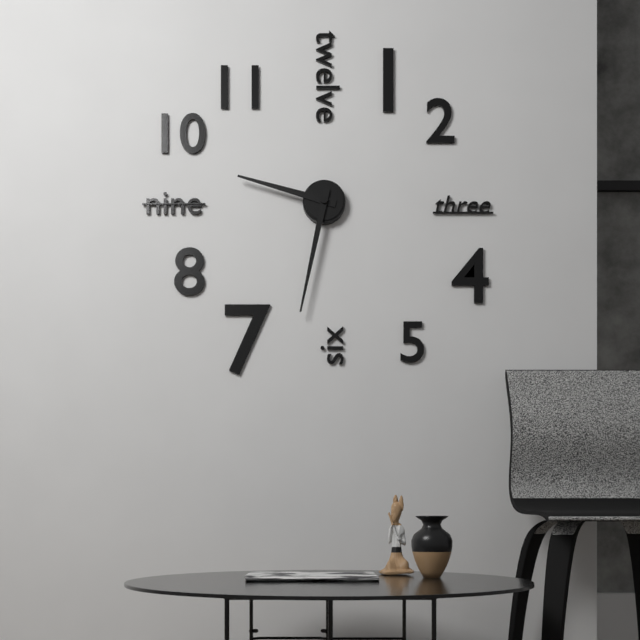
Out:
9.32
